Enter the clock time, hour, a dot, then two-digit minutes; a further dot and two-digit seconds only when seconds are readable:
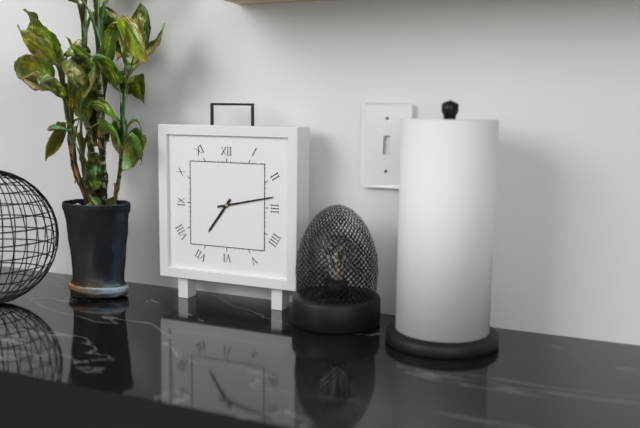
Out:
7.13
